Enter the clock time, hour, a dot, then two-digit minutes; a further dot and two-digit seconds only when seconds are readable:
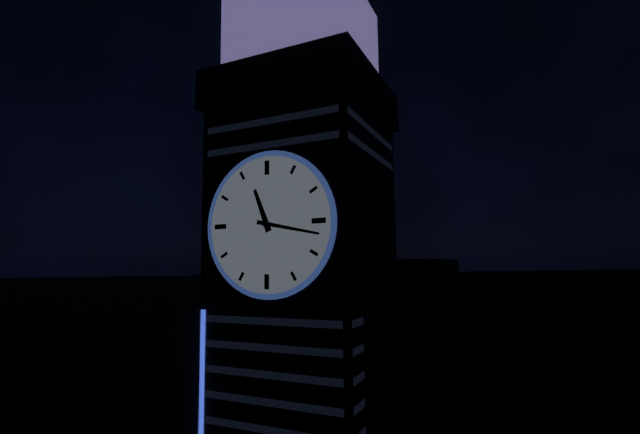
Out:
11.17
